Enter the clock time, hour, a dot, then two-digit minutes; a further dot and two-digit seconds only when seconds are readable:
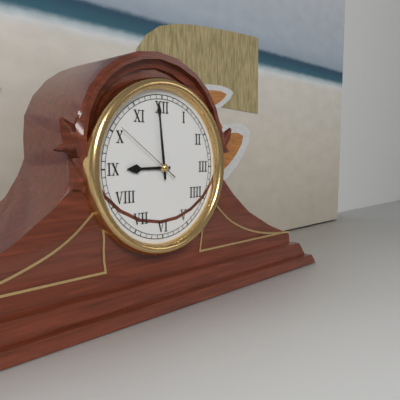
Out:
8.59.51
